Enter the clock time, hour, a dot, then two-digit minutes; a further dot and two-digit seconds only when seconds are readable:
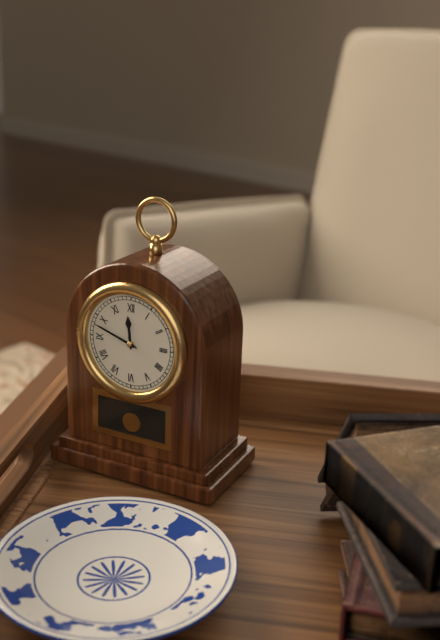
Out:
11.48
